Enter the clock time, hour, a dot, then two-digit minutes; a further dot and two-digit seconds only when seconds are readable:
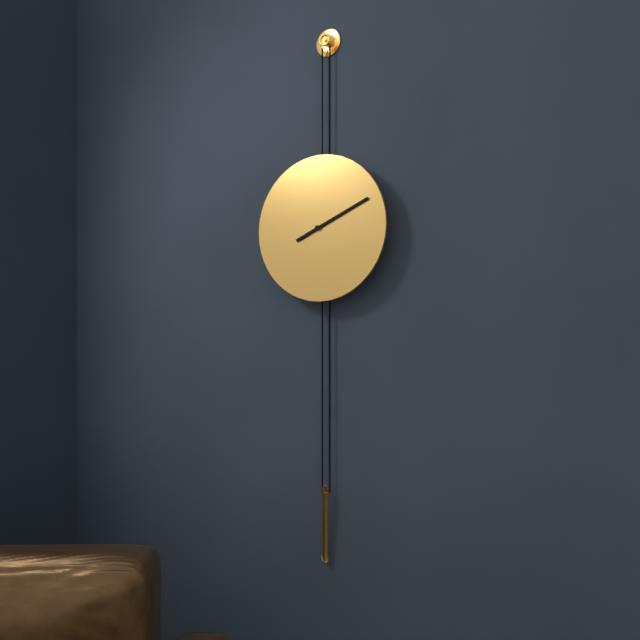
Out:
2.11
